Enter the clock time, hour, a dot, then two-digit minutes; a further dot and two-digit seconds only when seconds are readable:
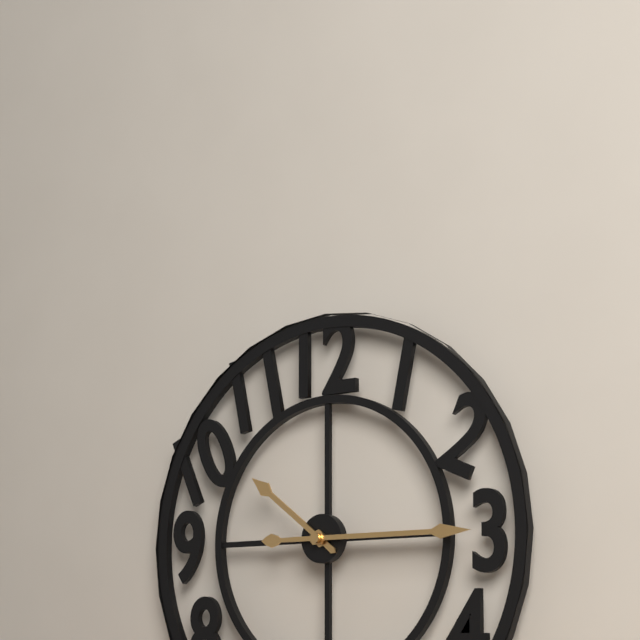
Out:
10.15
